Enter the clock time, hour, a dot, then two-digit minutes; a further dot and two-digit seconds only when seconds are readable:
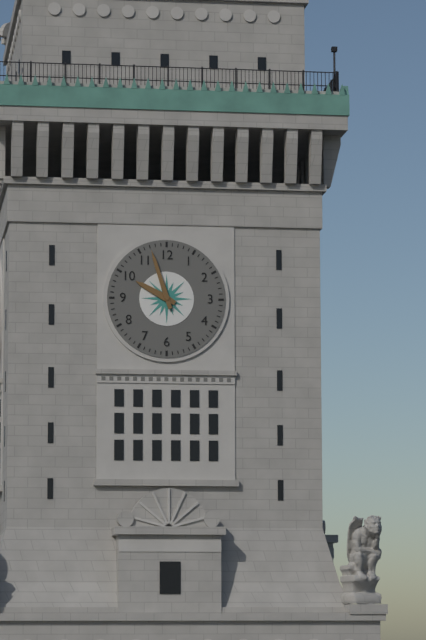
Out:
9.57
